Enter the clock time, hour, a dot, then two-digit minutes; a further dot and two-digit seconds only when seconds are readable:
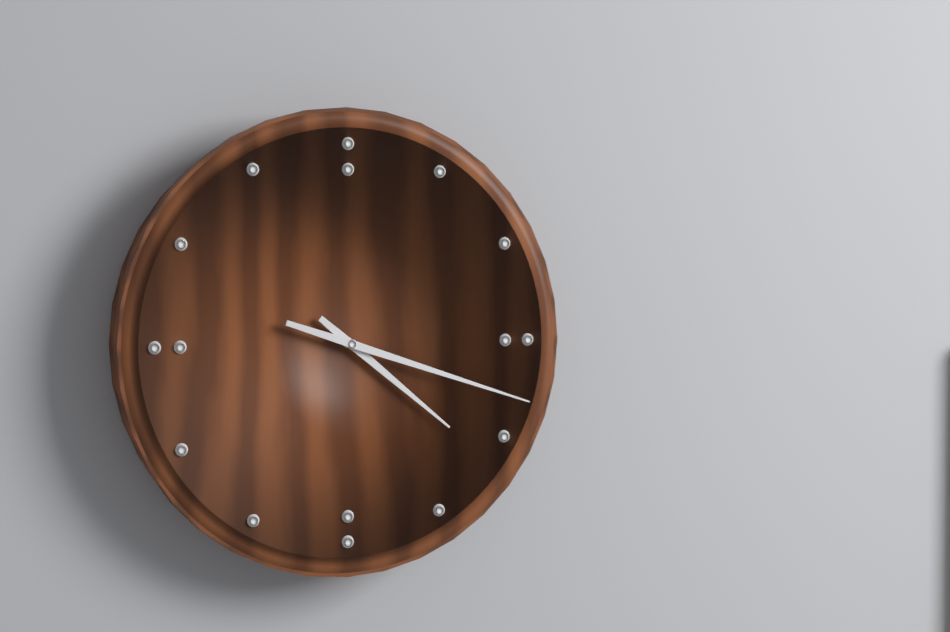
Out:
4.18
